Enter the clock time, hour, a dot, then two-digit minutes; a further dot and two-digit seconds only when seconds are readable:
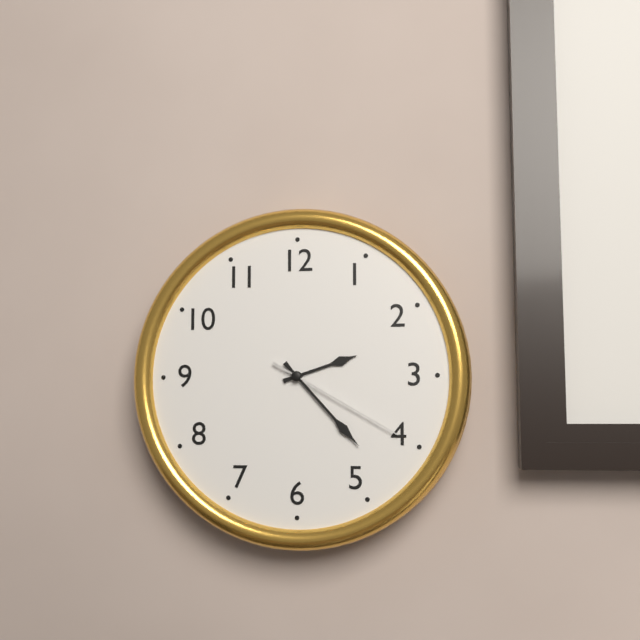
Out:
2.23.20
